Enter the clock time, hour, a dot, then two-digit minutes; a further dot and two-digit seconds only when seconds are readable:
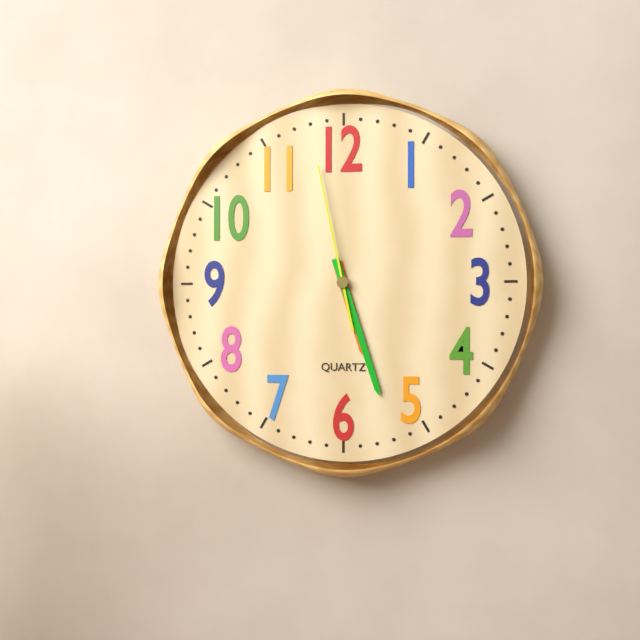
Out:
5.27.58
